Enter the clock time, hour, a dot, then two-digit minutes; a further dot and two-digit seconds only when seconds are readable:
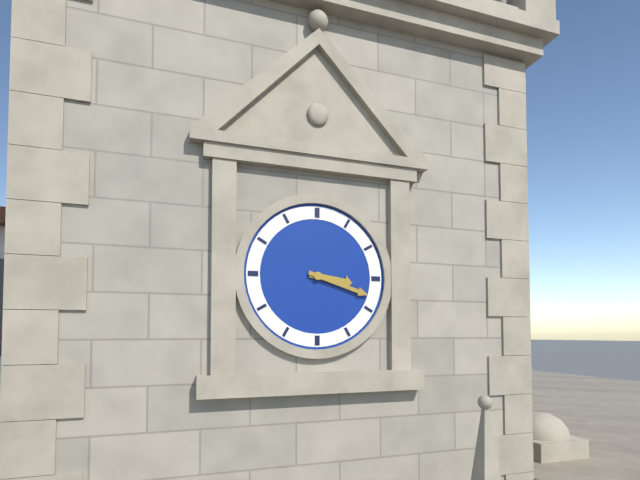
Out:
3.18
